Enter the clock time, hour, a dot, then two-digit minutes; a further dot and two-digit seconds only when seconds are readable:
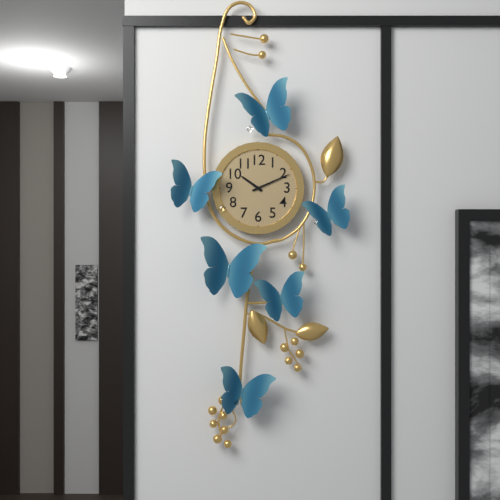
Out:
10.11
